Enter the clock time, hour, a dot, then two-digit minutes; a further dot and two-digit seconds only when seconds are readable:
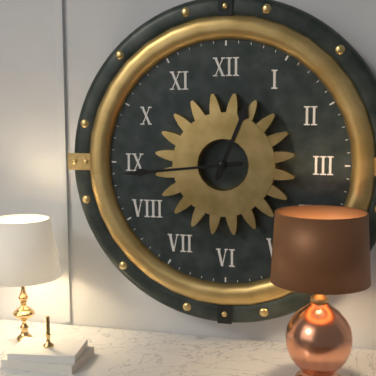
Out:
12.44
